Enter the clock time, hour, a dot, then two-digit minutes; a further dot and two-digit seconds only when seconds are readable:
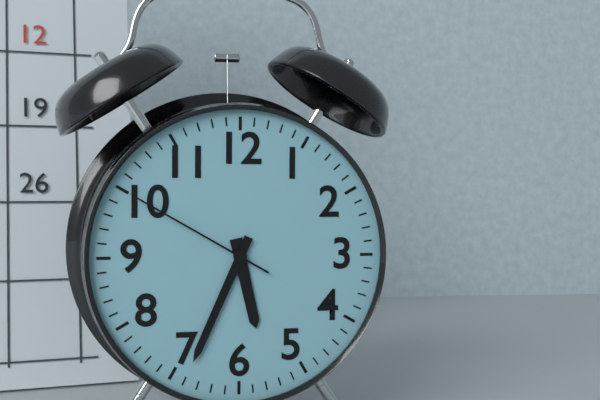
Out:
5.34.50
